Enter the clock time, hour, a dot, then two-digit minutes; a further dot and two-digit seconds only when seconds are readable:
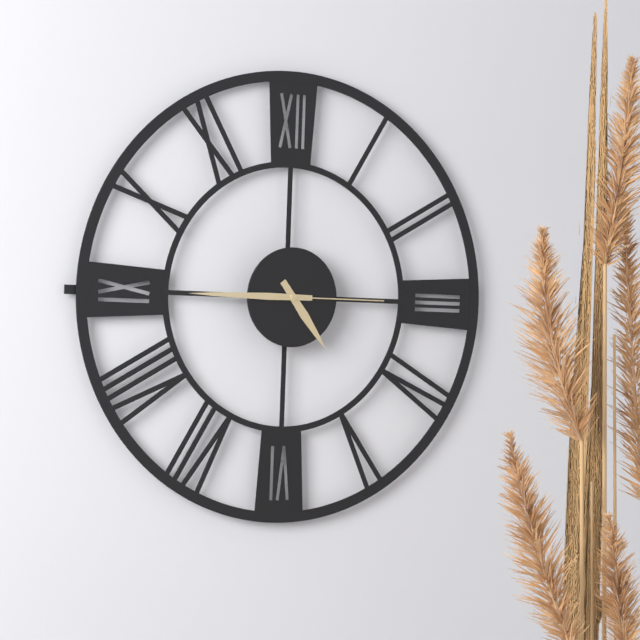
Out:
4.45.15
